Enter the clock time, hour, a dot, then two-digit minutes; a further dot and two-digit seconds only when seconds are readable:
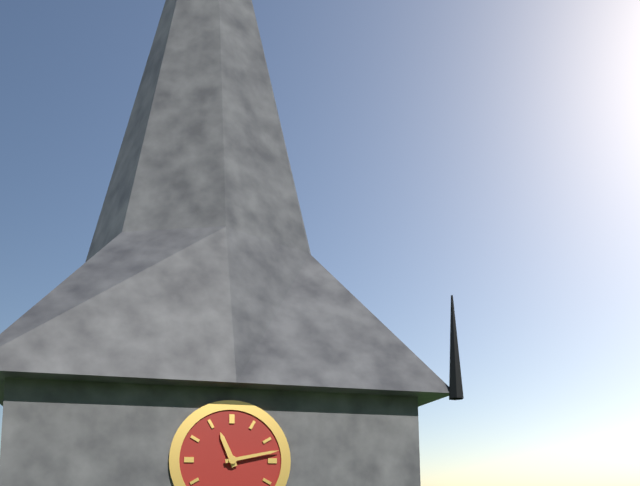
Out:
11.13
